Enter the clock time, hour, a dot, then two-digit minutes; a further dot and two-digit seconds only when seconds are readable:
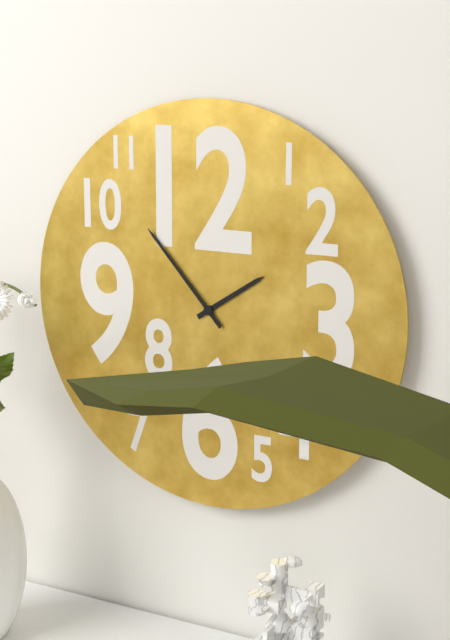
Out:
1.53
